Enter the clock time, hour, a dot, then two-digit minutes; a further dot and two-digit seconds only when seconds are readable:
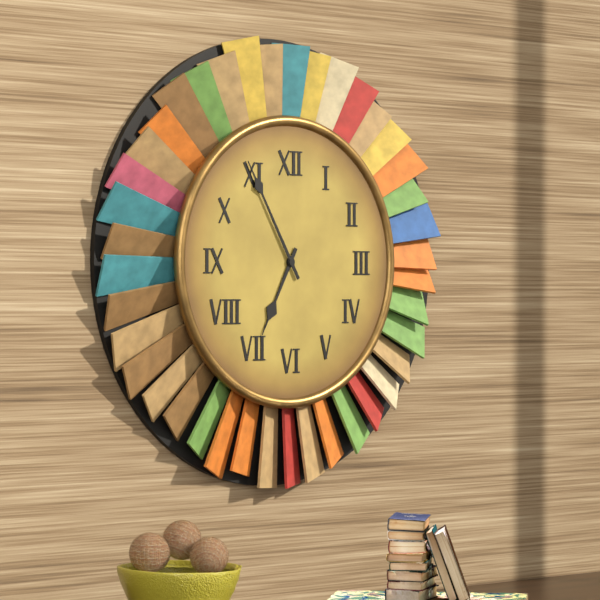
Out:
6.55
